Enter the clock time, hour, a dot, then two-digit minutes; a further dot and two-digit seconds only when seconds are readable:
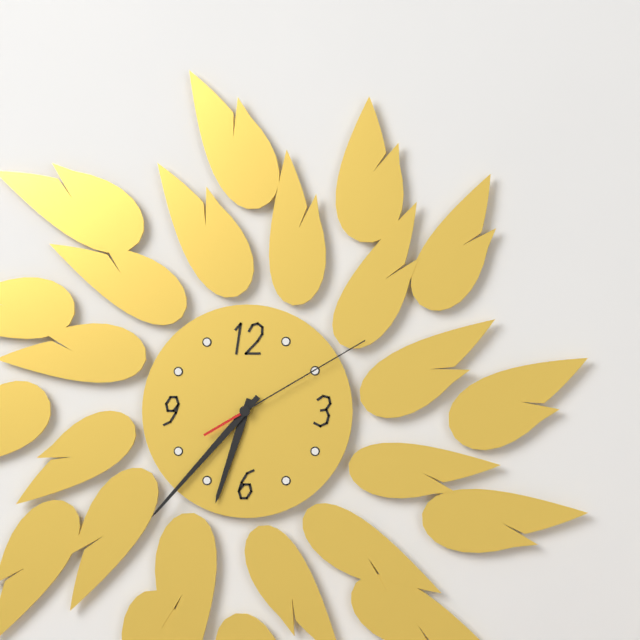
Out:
6.37.10
